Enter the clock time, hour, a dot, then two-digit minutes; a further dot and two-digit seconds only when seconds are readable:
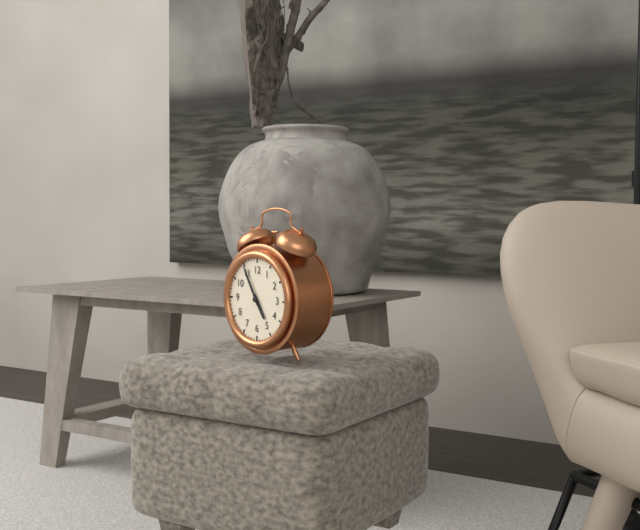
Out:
4.55
